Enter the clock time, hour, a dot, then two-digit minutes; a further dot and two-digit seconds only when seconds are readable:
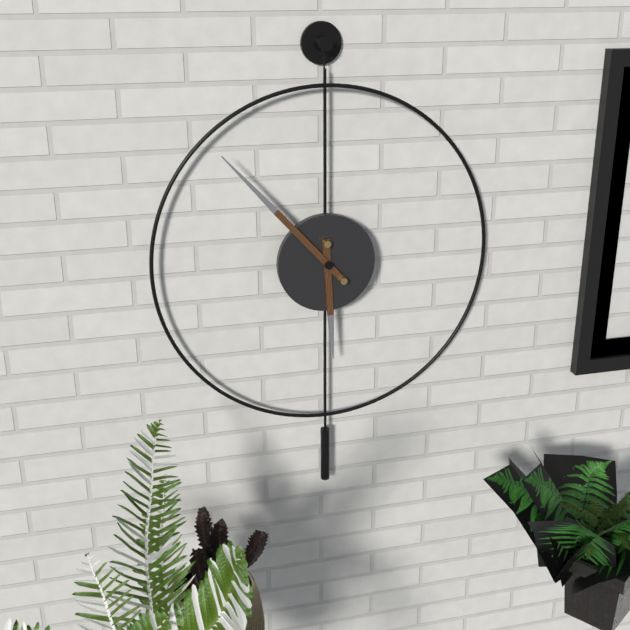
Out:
5.53
